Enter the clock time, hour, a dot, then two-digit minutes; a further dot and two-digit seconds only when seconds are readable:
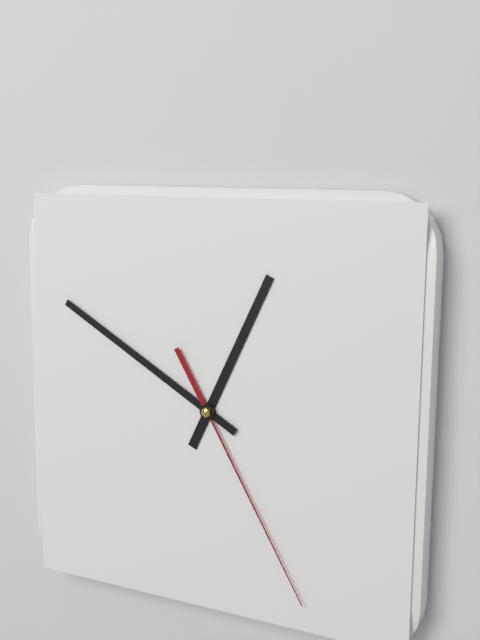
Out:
12.50.25
